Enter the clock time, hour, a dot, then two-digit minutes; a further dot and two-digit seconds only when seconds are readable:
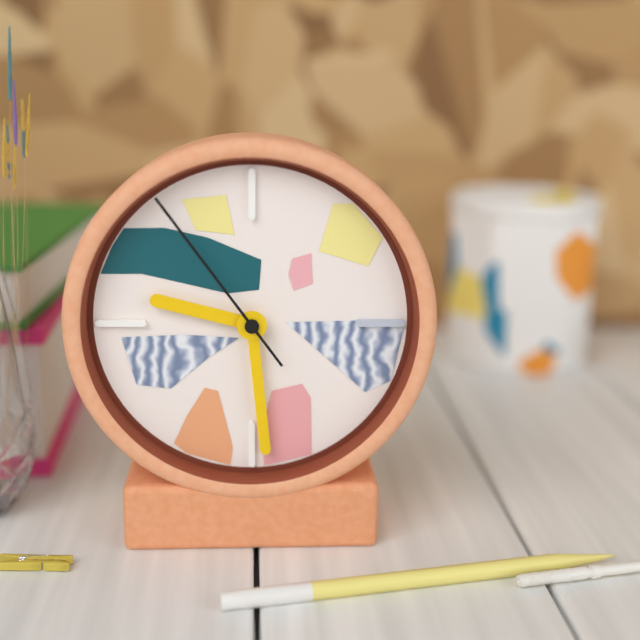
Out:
9.29.54
